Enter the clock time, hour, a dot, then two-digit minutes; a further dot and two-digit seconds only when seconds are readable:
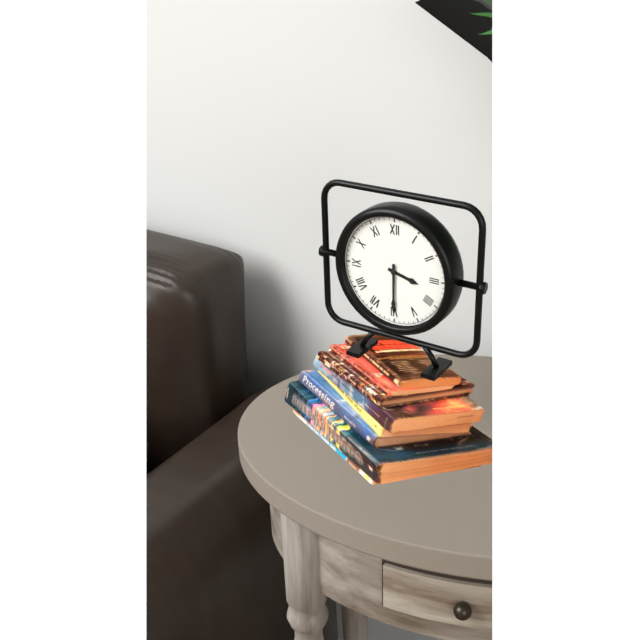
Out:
3.30
